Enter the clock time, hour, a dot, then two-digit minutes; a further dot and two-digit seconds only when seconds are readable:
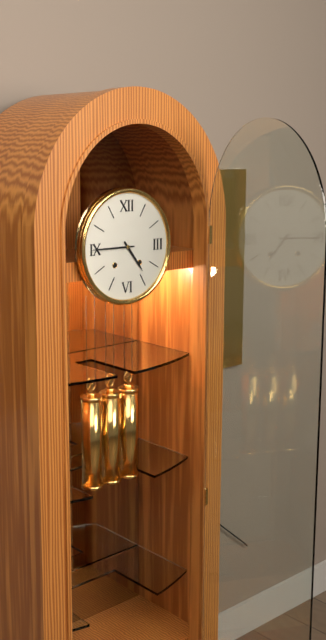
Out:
4.45
